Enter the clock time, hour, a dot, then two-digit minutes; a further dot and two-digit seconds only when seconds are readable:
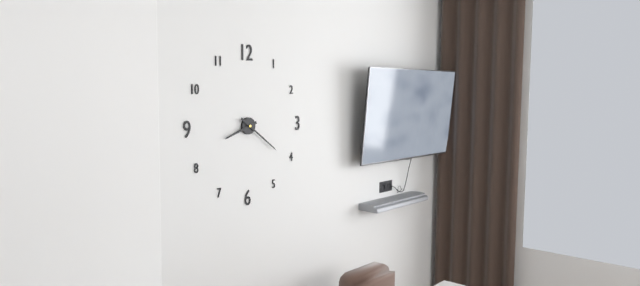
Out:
8.21
